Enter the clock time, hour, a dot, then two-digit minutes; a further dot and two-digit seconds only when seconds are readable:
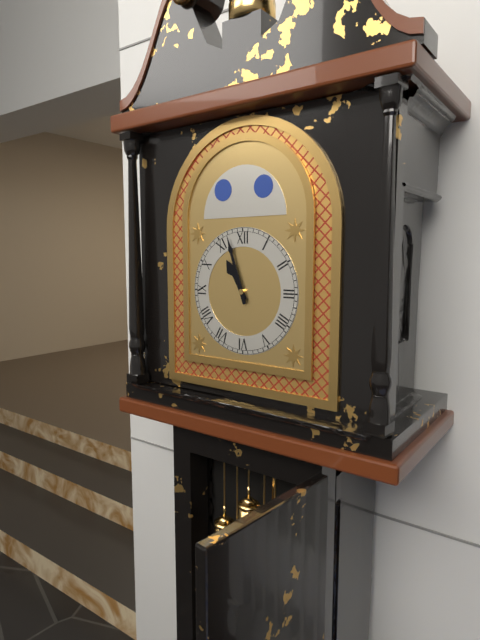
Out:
10.57
